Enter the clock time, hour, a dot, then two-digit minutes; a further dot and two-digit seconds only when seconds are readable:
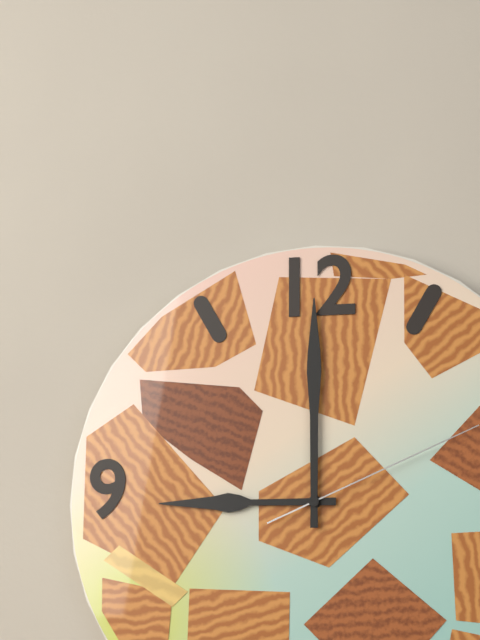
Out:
9.00.11
